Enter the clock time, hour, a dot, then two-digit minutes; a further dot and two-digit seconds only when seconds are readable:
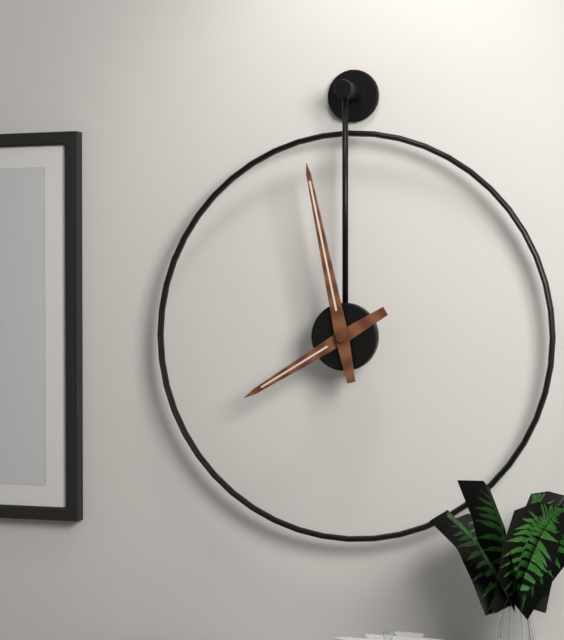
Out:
7.58
